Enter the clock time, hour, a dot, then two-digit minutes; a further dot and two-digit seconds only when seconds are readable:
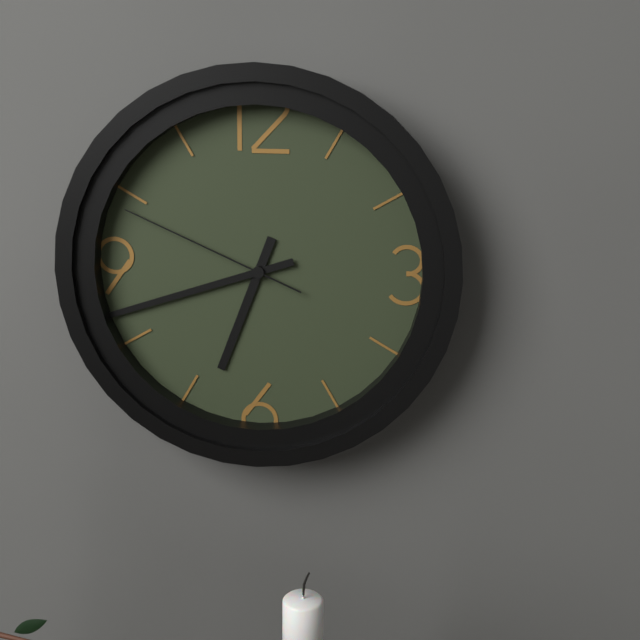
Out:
6.42.49
